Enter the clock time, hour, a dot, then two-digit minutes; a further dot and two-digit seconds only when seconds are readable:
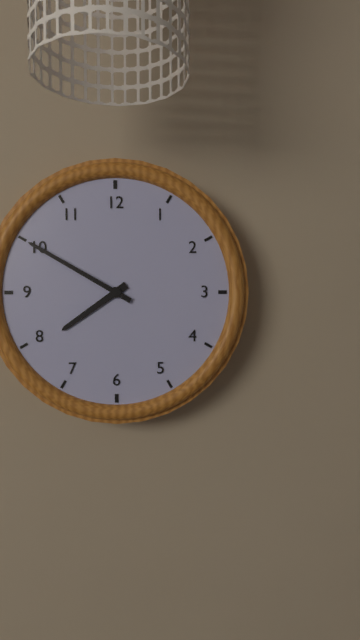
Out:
7.50
